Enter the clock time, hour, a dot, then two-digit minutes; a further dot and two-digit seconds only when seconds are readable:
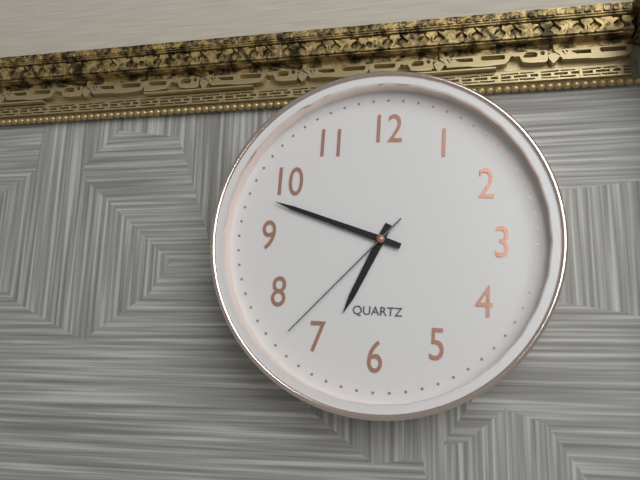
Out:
6.48.37
